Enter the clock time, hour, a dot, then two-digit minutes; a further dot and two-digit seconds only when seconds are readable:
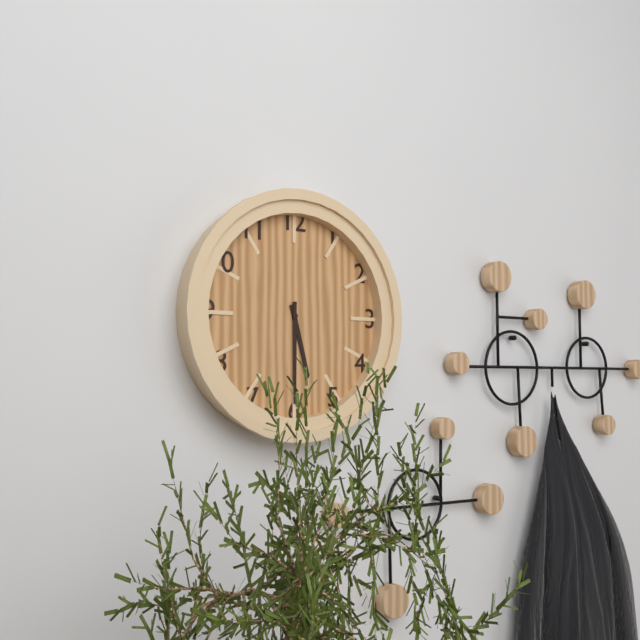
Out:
5.30
